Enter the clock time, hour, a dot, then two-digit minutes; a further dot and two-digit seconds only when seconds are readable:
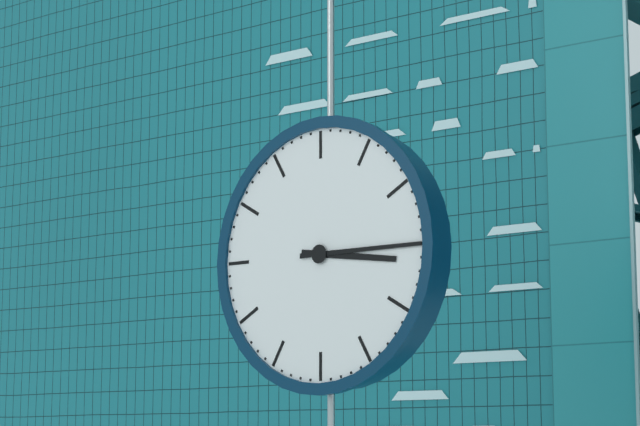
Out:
3.15
